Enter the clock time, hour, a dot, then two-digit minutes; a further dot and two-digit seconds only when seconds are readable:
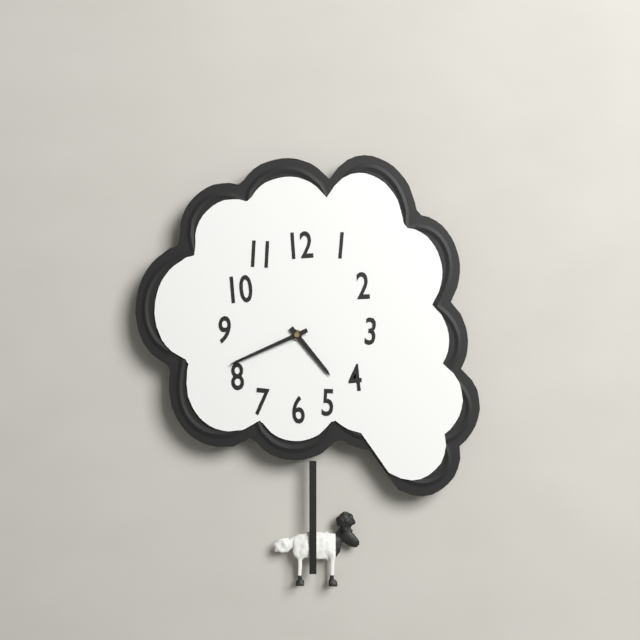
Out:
4.41
